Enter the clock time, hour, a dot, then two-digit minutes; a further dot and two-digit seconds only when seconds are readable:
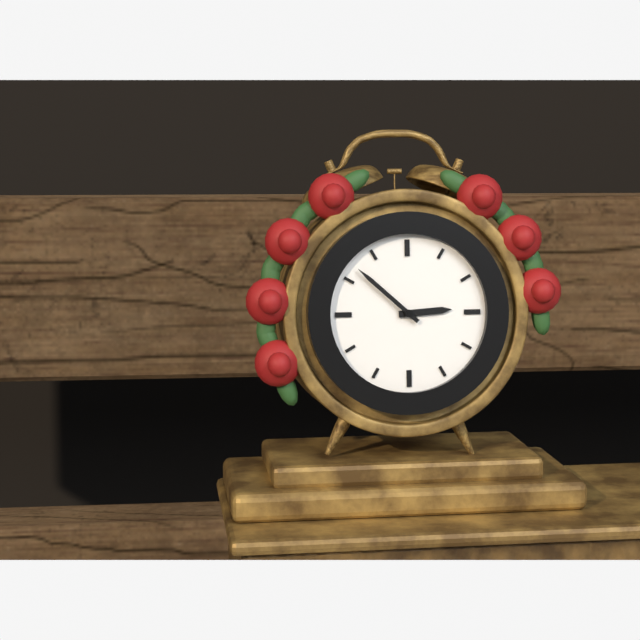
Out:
2.52
